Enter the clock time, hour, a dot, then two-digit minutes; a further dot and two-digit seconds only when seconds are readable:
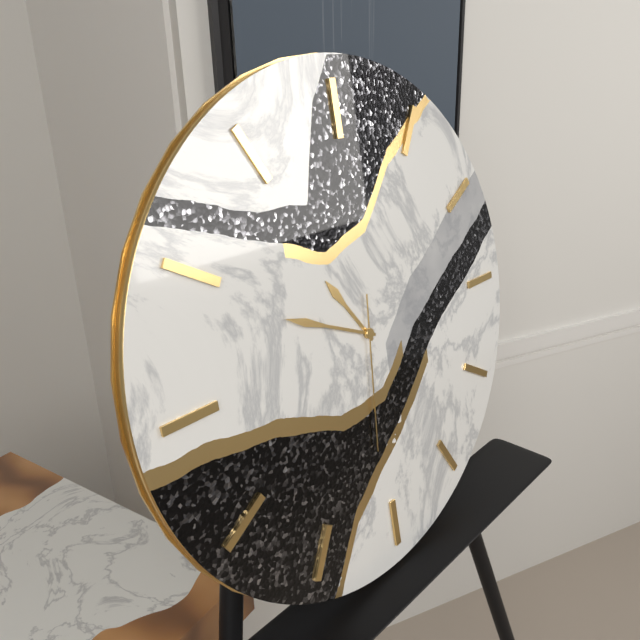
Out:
10.49.31
